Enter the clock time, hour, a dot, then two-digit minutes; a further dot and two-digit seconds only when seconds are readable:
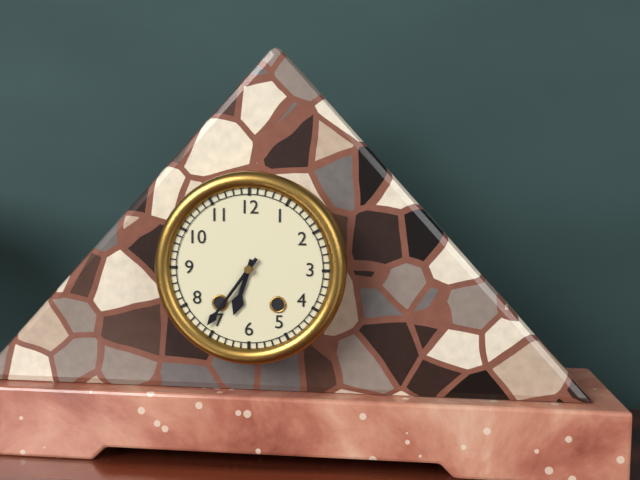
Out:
6.36
